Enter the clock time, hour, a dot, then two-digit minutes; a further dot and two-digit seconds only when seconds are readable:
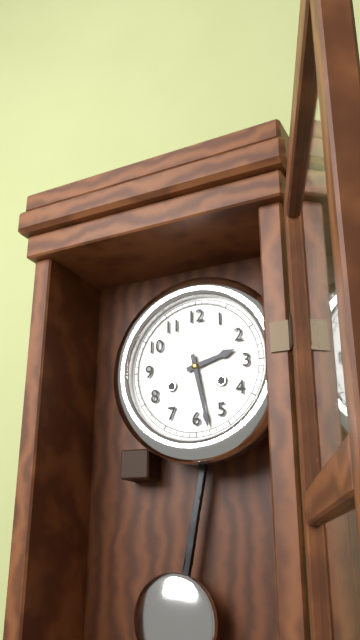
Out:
2.28
